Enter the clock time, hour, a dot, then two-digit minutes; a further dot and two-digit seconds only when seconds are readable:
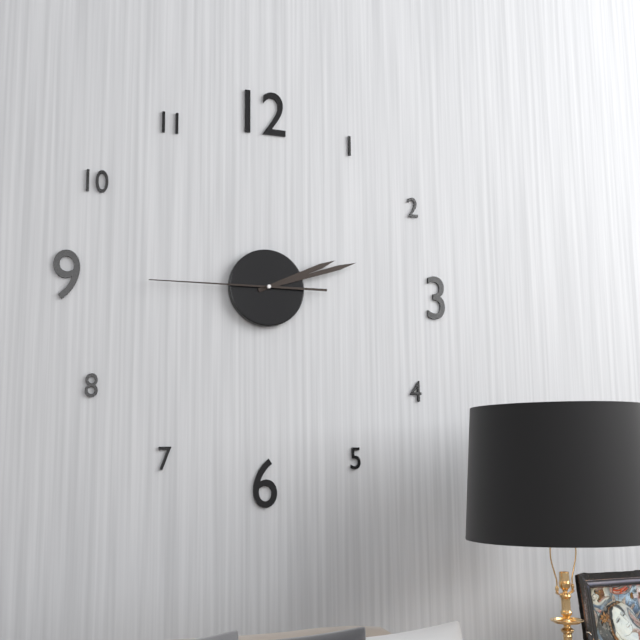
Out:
2.12.45
